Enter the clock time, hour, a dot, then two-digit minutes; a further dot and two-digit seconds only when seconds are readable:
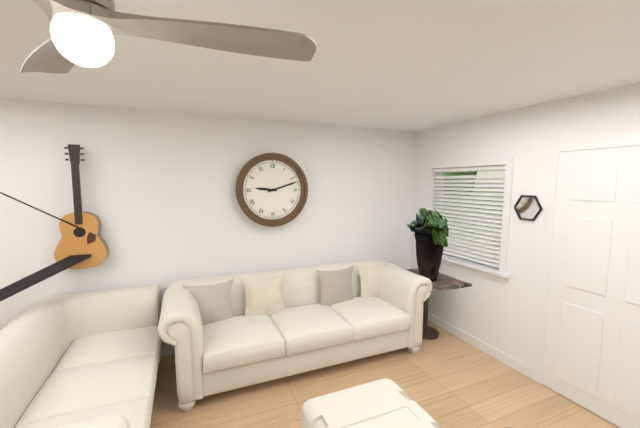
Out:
9.12
